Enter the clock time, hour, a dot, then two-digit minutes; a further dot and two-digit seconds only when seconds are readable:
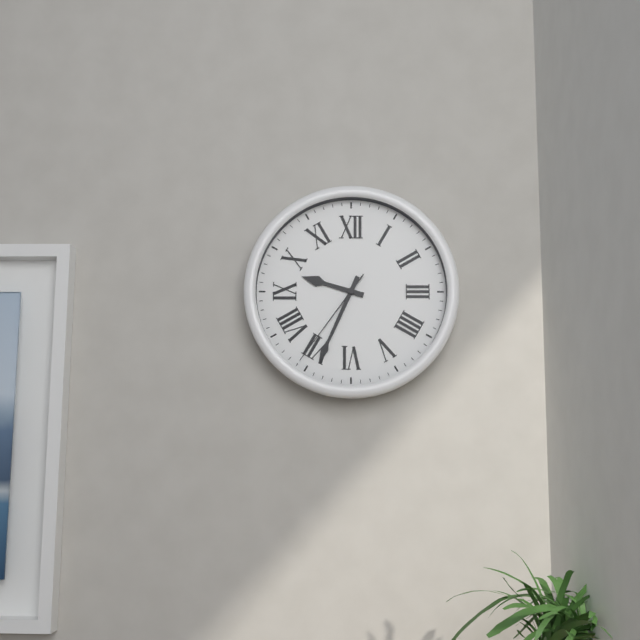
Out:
9.34.36
